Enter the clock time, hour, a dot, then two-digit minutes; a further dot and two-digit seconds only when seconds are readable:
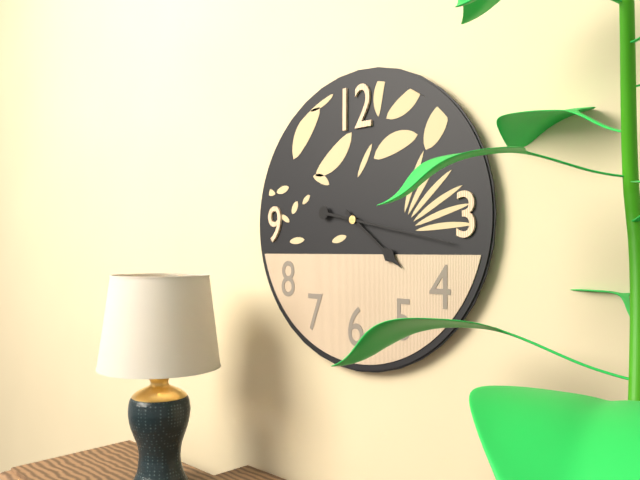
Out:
4.17
